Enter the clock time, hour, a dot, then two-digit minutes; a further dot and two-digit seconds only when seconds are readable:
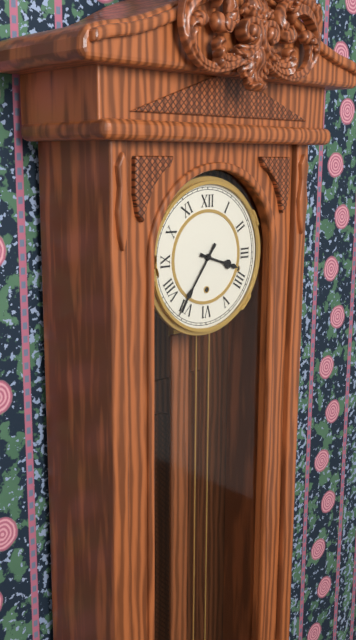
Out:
3.36
